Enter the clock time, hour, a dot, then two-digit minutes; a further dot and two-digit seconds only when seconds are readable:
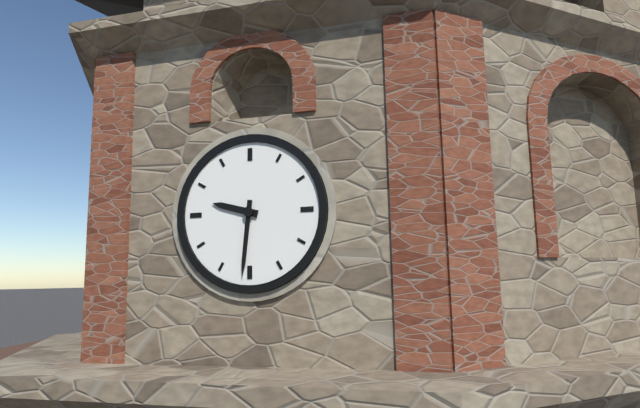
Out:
9.31
